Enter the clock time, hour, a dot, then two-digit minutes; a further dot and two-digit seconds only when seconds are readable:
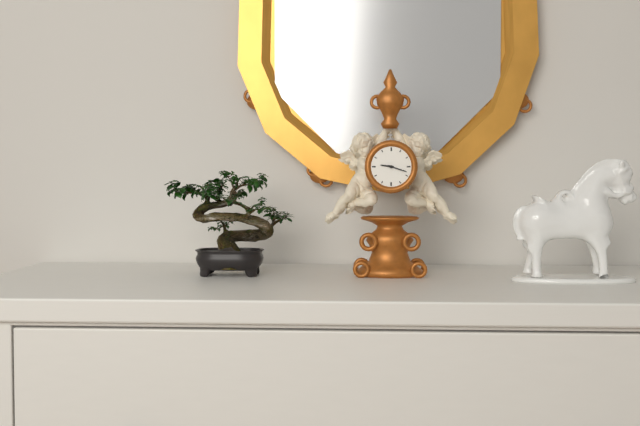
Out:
9.18
